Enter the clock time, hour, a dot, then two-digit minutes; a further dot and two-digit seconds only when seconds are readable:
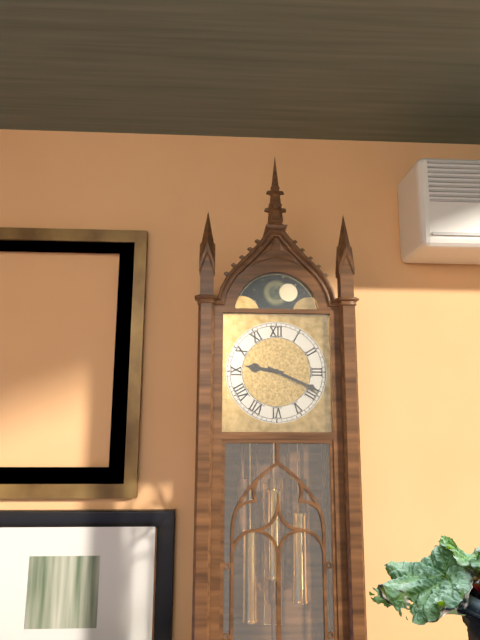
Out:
9.19
